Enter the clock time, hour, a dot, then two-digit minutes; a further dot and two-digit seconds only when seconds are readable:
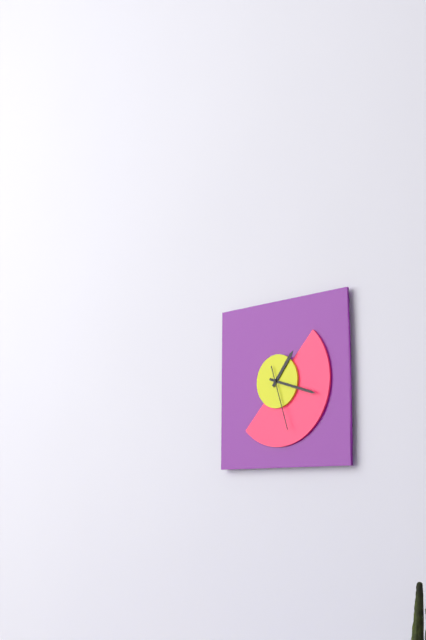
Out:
1.18.27
